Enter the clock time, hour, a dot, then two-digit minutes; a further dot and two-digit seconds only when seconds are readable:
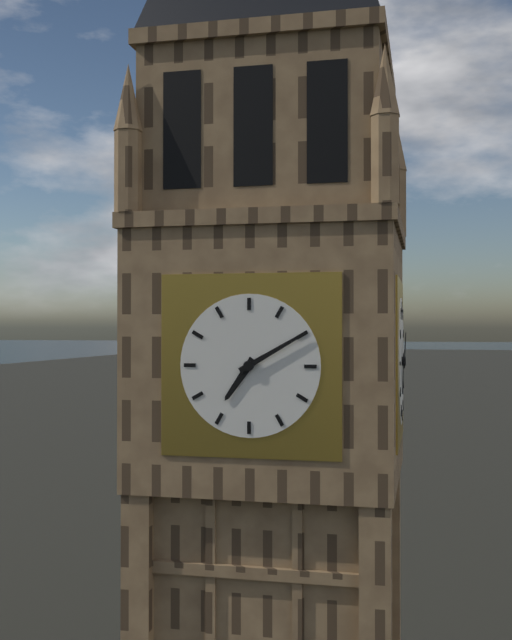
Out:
7.10
